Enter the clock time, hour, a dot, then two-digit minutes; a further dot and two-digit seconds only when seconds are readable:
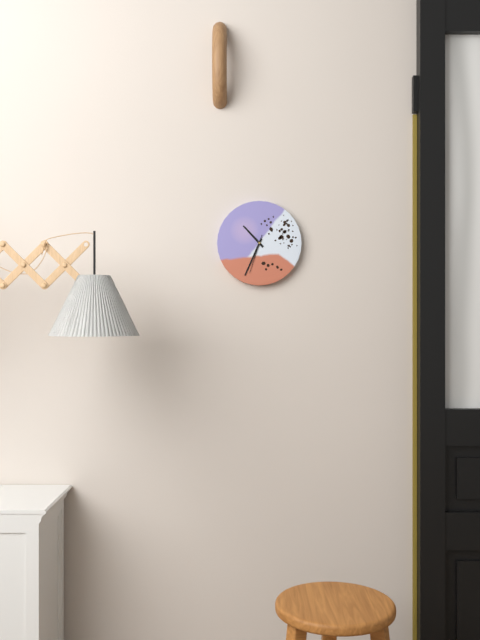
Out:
10.34
